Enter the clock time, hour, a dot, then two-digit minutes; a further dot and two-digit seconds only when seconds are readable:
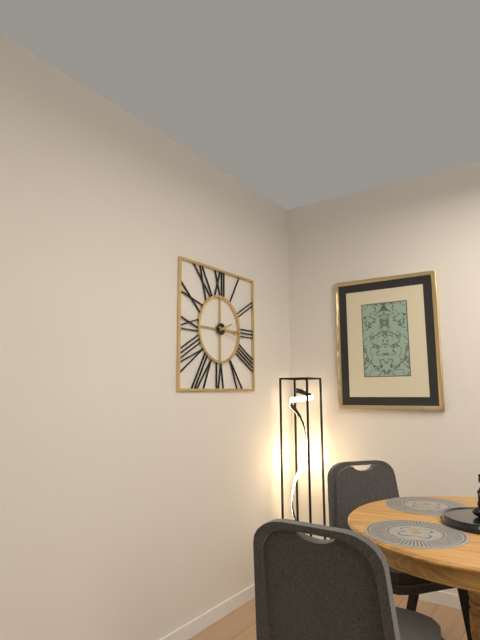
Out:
2.17
